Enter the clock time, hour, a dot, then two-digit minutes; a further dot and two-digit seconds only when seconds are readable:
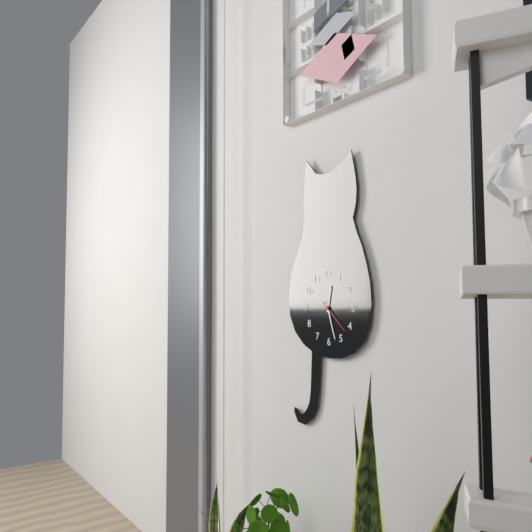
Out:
12.27
